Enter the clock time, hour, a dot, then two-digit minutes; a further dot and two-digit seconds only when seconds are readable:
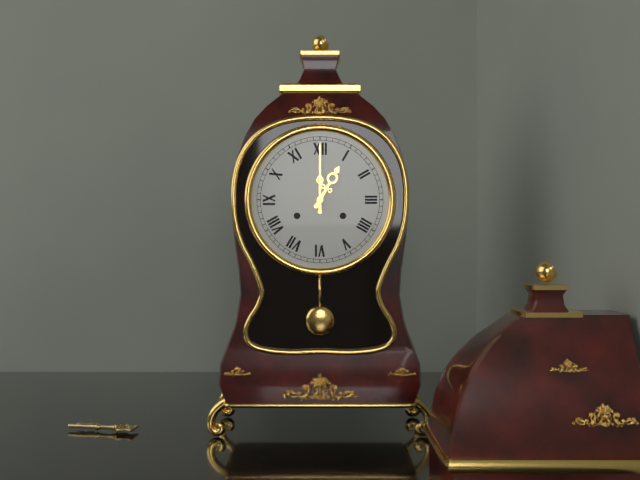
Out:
1.00
